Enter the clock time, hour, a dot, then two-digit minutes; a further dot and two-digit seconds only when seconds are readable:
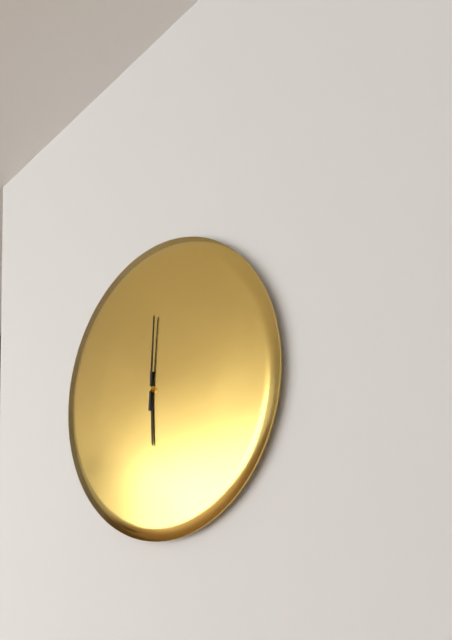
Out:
6.01
